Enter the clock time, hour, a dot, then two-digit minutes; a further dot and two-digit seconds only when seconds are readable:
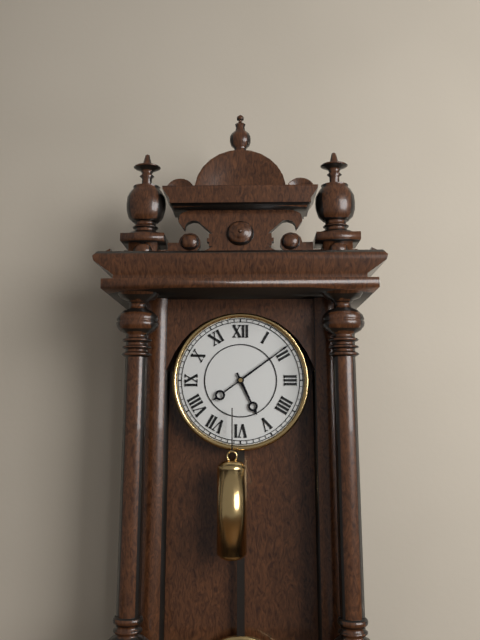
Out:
5.09
